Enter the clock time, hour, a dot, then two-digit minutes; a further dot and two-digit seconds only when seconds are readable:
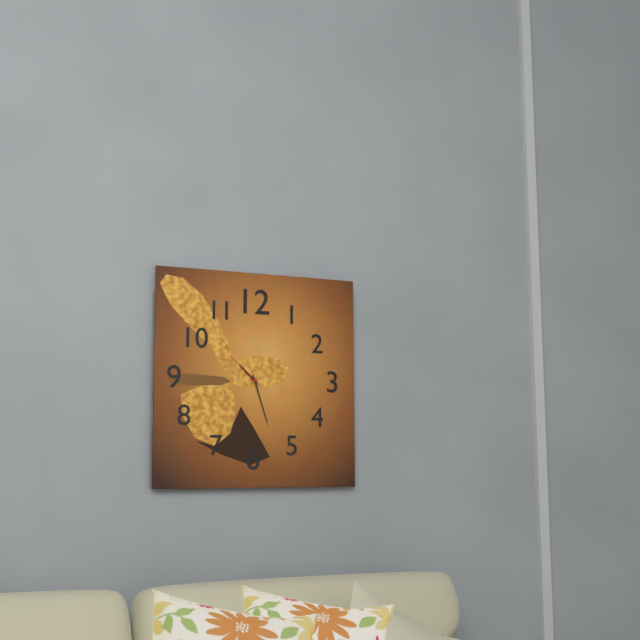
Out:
10.27.52
